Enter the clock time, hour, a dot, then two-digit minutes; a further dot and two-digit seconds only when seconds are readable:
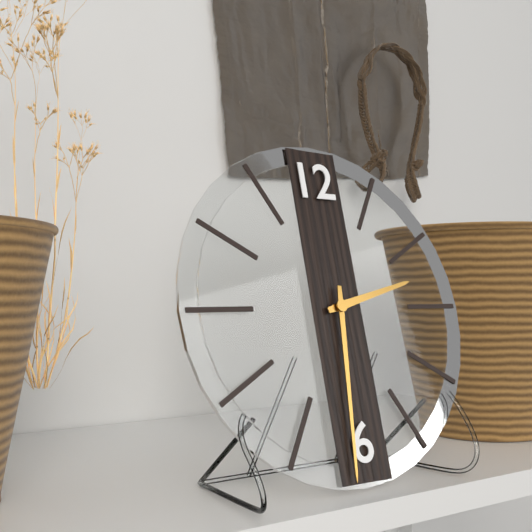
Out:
2.31
